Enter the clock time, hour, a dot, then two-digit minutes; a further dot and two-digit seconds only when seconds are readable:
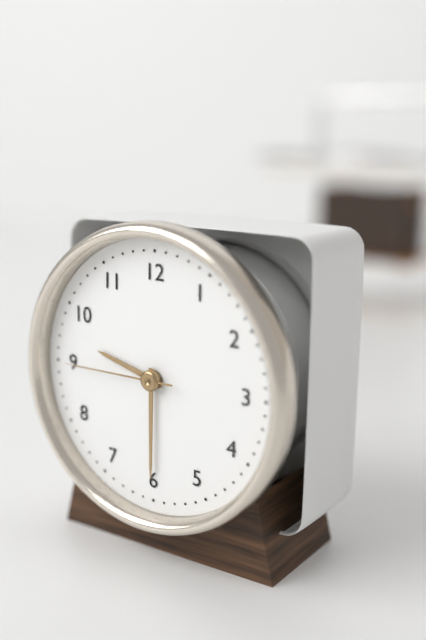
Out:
9.30.45
